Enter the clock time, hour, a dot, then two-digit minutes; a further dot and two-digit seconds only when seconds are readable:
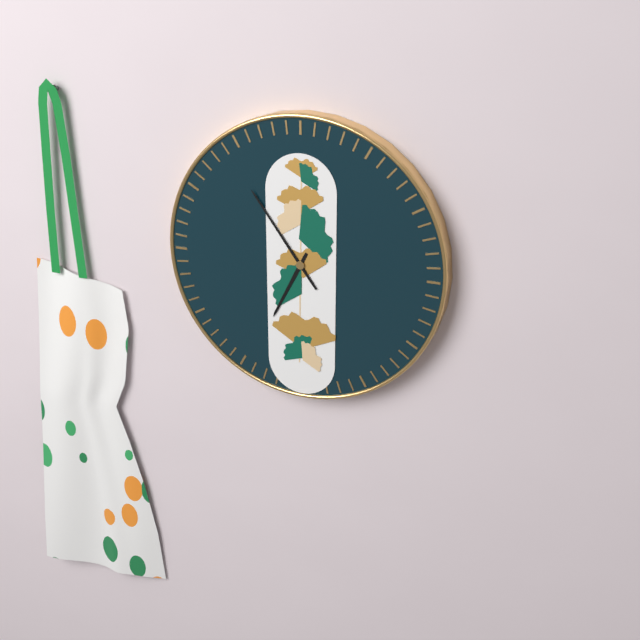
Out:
6.54
